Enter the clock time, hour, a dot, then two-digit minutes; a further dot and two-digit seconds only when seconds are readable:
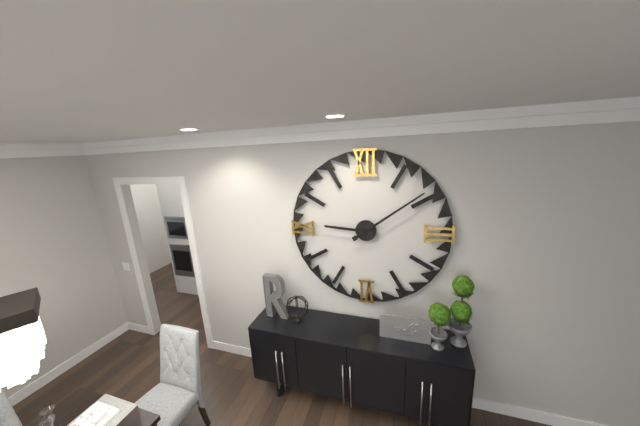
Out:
9.09
